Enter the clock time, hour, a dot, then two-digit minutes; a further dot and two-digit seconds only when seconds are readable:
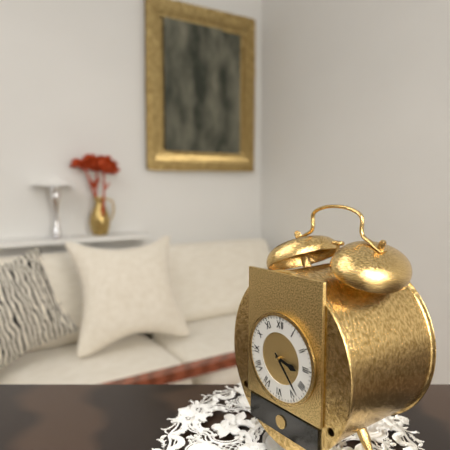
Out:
3.23
